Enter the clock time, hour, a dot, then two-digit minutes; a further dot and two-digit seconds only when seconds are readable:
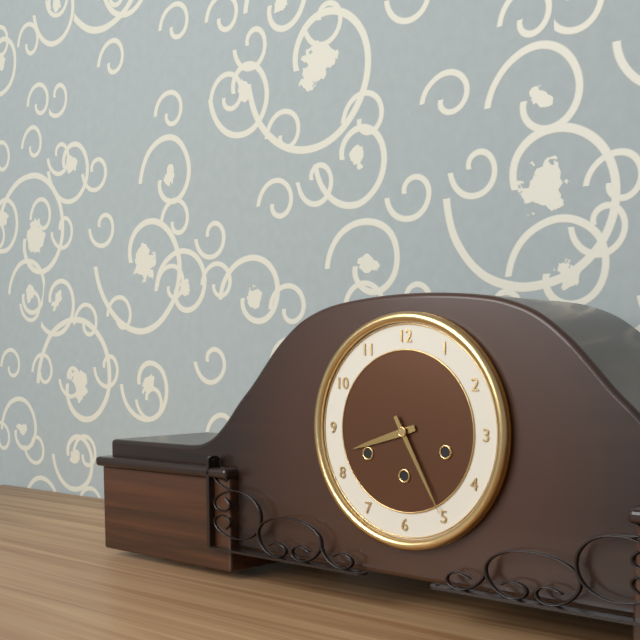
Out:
8.25
